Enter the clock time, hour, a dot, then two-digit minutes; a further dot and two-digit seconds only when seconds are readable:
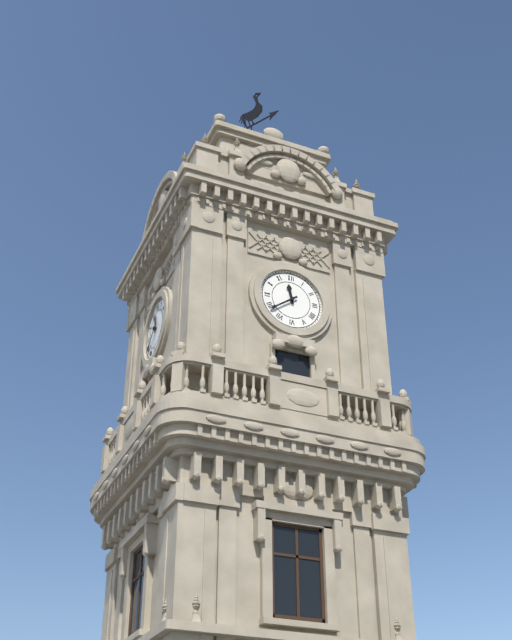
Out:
11.39
